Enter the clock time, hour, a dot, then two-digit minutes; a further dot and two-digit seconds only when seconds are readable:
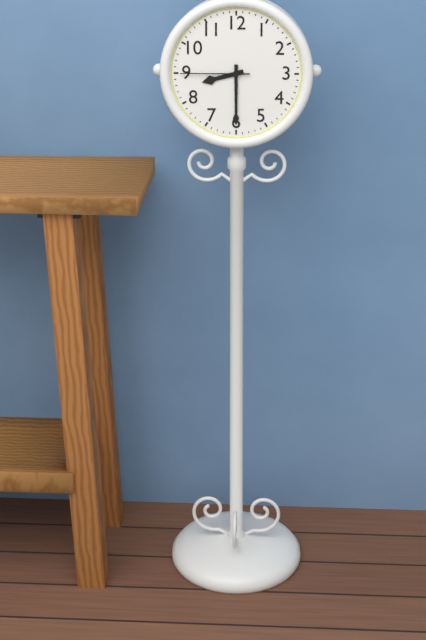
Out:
8.30.45
